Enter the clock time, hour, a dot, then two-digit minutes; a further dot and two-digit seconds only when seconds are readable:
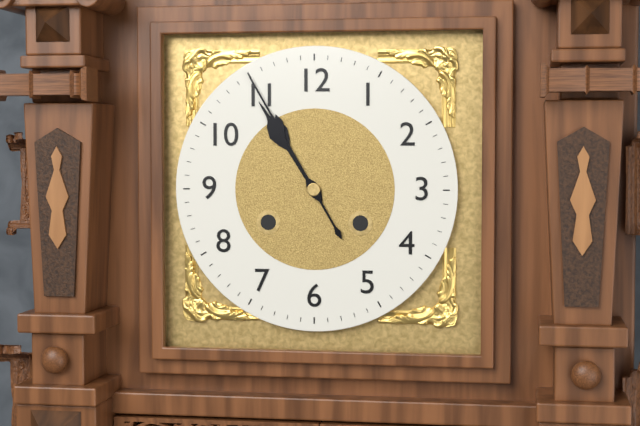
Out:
10.55
